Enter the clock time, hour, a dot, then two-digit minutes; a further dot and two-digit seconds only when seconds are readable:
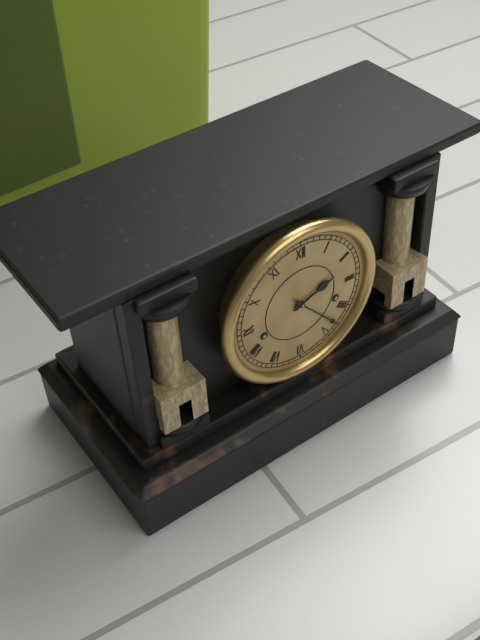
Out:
2.23
